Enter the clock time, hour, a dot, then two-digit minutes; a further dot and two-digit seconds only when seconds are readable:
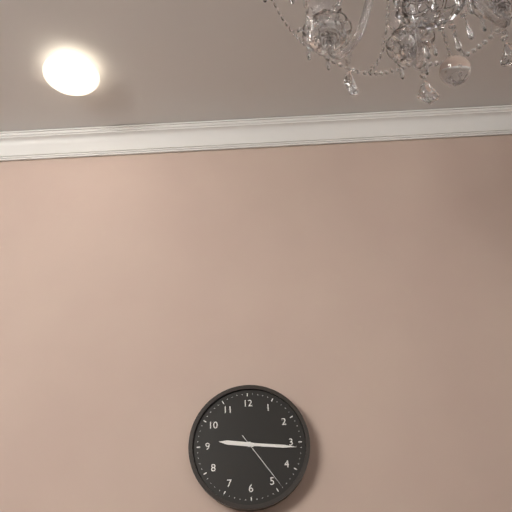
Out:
9.16.24
